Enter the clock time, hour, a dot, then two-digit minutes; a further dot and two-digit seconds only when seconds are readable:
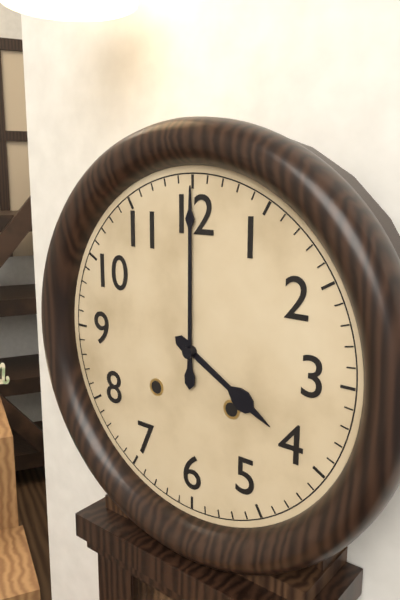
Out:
4.00
